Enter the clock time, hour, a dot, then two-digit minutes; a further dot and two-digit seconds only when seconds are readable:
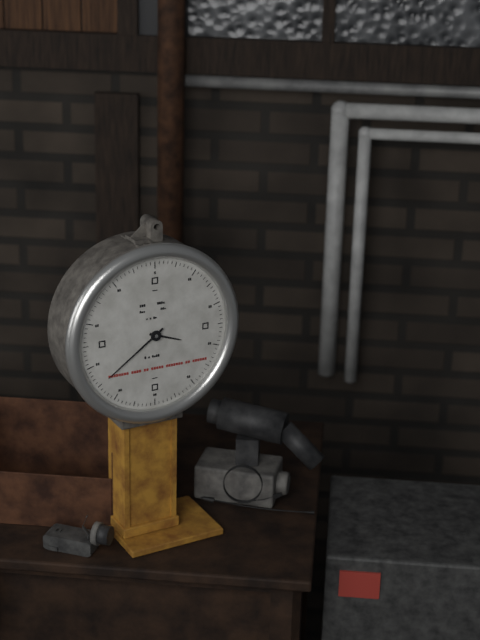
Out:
3.39
